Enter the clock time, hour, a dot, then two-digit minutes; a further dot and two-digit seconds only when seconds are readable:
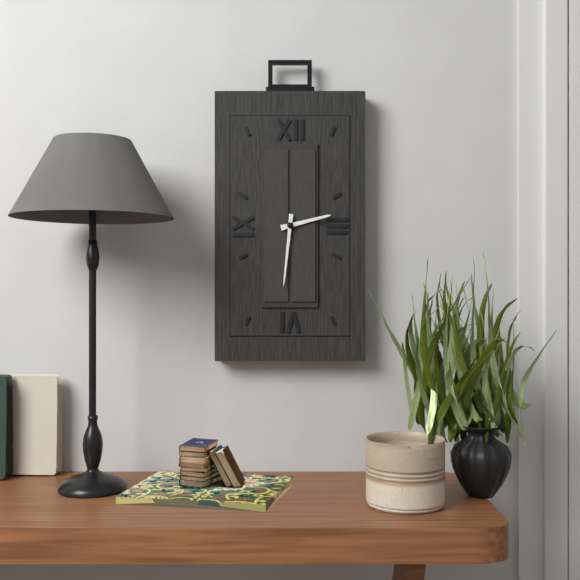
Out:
2.31
